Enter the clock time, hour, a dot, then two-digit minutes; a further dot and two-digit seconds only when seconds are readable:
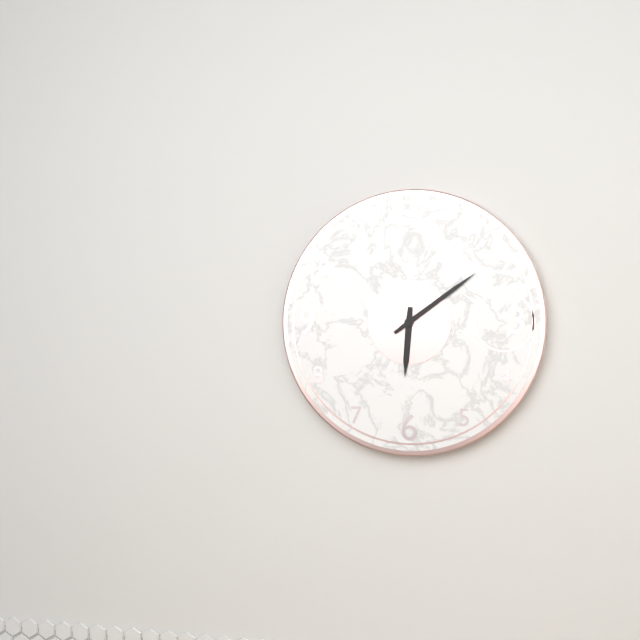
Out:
6.09
